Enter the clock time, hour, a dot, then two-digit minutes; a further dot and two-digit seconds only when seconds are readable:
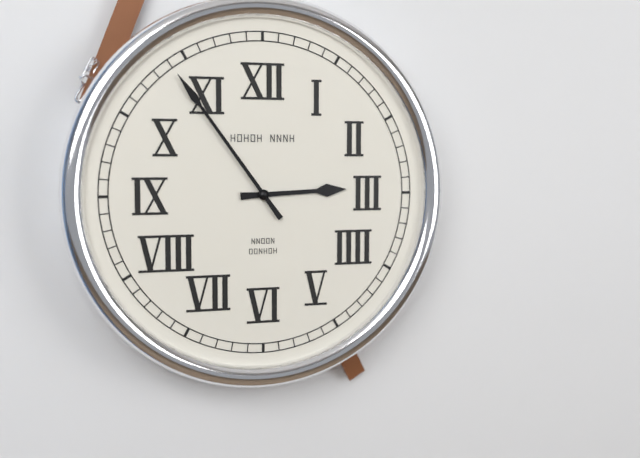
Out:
2.54
